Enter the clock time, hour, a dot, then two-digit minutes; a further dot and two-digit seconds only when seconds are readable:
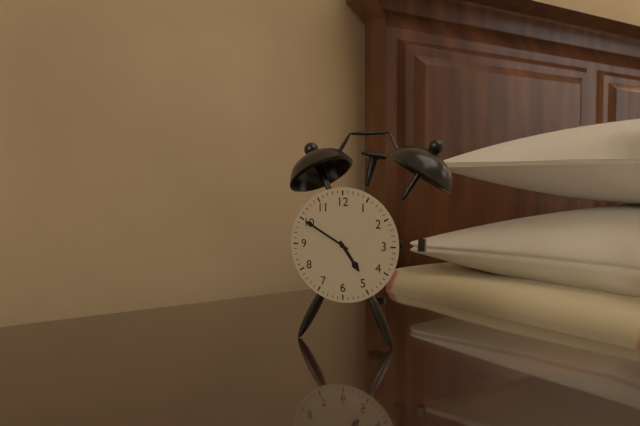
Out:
4.50
